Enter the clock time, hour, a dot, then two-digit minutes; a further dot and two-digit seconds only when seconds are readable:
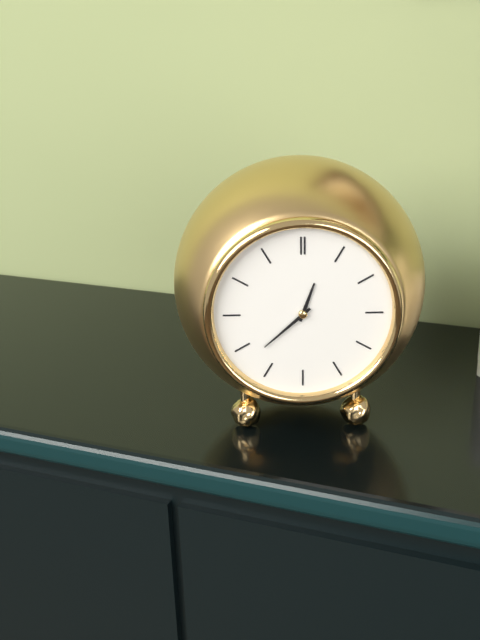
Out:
12.38
